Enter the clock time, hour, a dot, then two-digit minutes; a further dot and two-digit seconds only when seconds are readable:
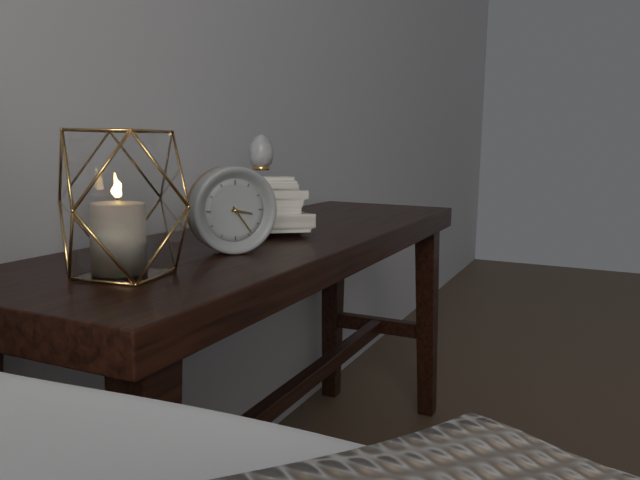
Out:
3.24
